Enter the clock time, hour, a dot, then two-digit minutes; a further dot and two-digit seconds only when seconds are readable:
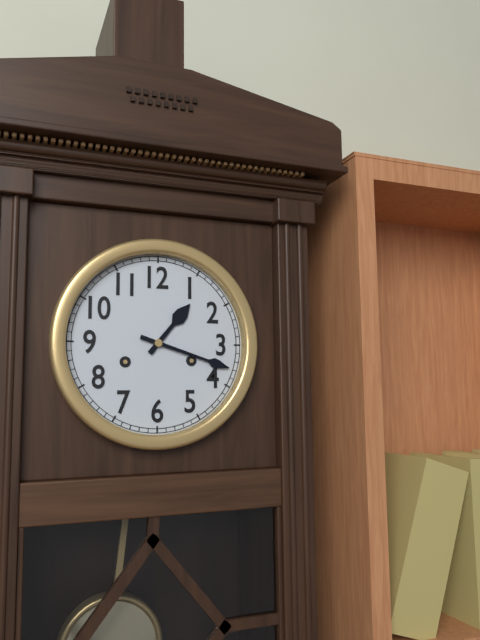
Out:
1.18
